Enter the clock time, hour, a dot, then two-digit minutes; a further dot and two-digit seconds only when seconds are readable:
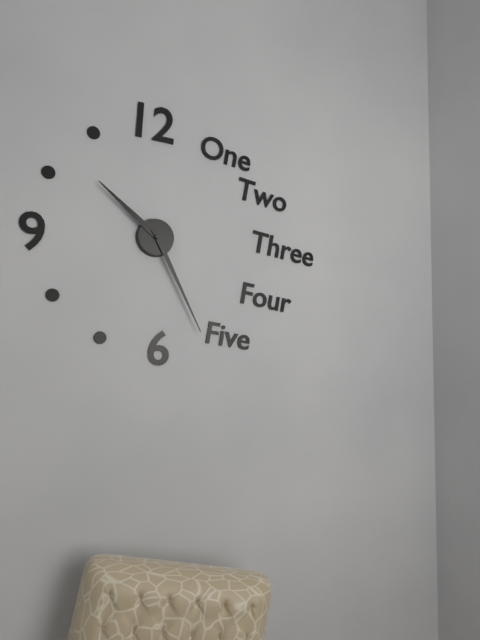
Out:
10.26
